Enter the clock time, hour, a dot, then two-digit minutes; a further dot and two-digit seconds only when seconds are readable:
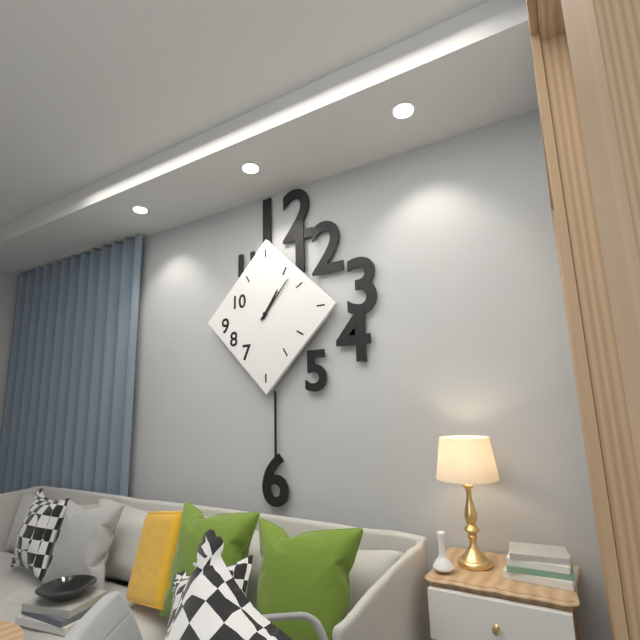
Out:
1.07
